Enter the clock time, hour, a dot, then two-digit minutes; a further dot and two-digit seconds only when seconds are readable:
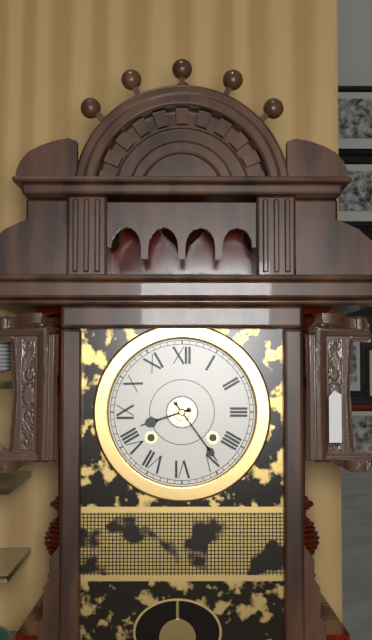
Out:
8.24
